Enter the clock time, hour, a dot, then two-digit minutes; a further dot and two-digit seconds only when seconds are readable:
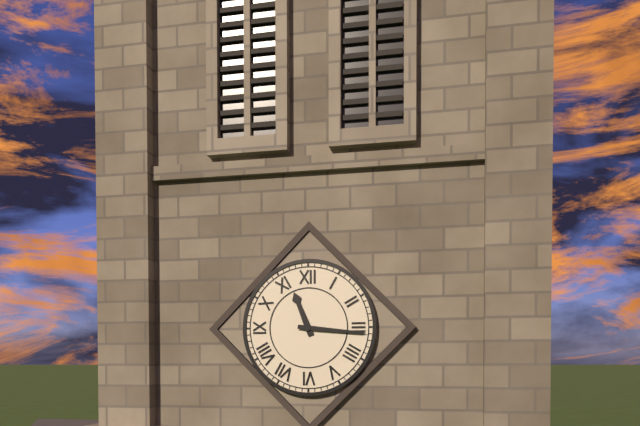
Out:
11.16
